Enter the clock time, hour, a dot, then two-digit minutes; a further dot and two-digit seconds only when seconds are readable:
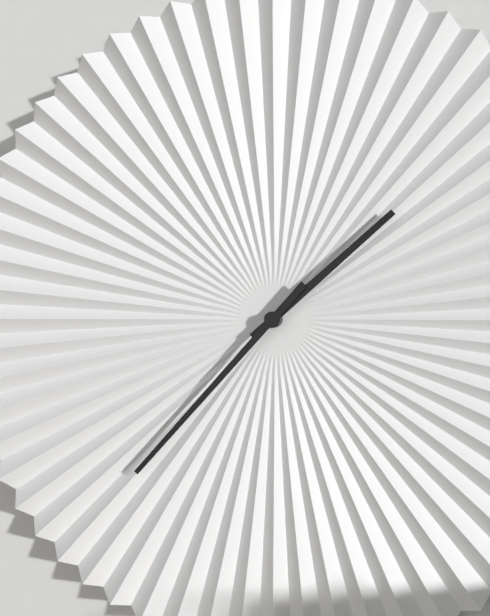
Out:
1.37
